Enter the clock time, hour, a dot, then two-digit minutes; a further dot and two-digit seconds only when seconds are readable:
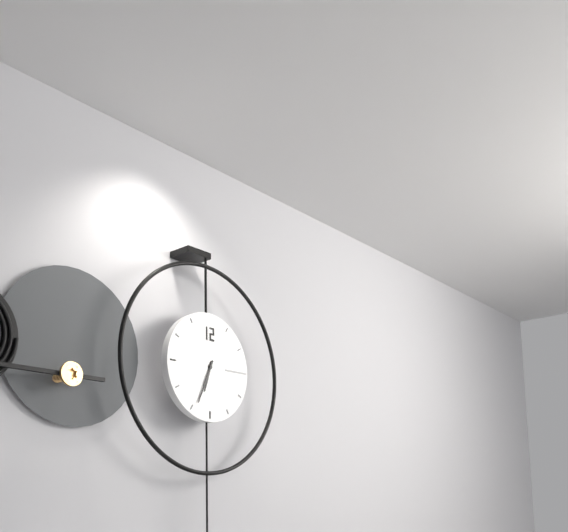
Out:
6.34
